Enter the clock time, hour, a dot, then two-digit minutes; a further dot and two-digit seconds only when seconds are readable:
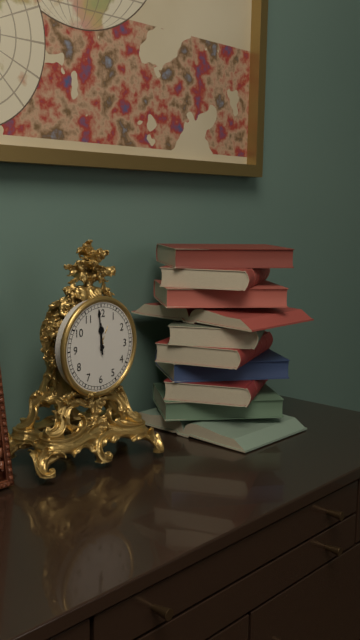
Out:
11.59
